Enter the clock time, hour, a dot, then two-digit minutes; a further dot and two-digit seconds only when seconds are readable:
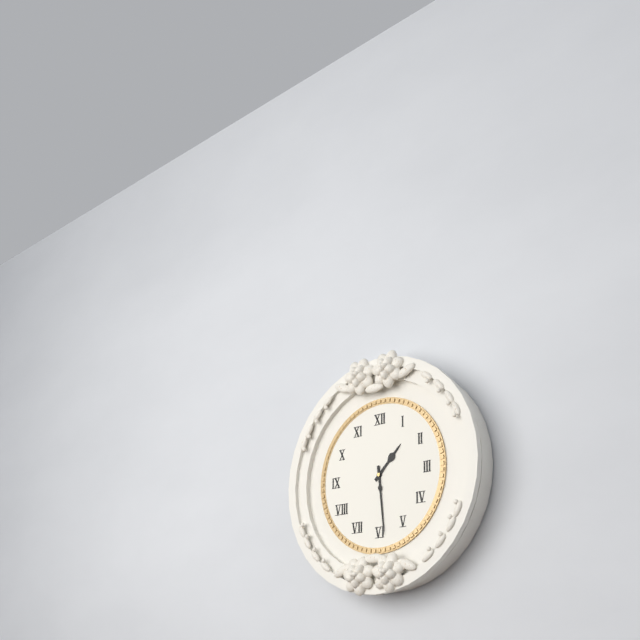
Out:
1.29
